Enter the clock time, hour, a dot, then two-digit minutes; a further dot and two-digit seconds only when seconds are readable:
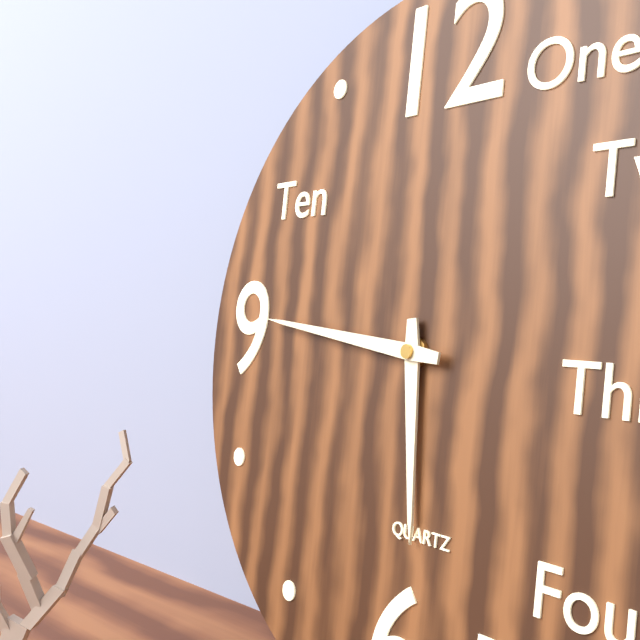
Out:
5.46
